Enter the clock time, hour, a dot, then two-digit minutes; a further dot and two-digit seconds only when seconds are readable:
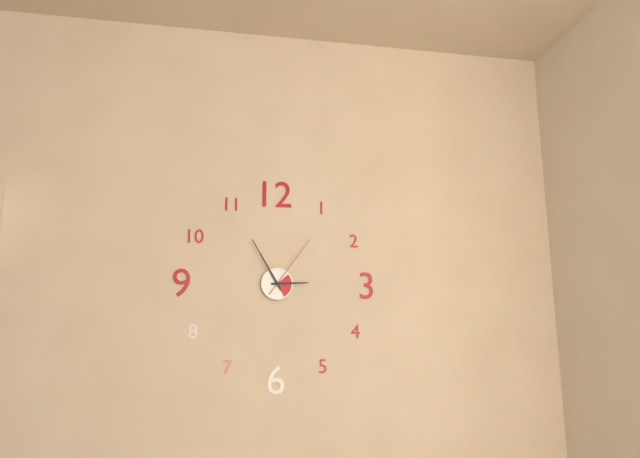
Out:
2.55.06
